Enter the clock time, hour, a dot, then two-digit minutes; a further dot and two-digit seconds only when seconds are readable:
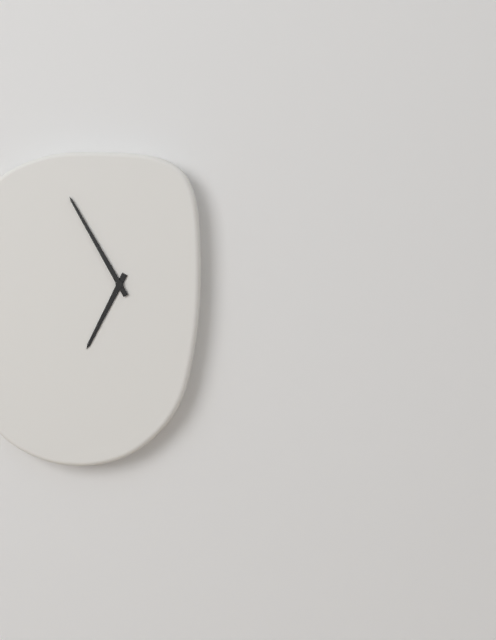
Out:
6.55
